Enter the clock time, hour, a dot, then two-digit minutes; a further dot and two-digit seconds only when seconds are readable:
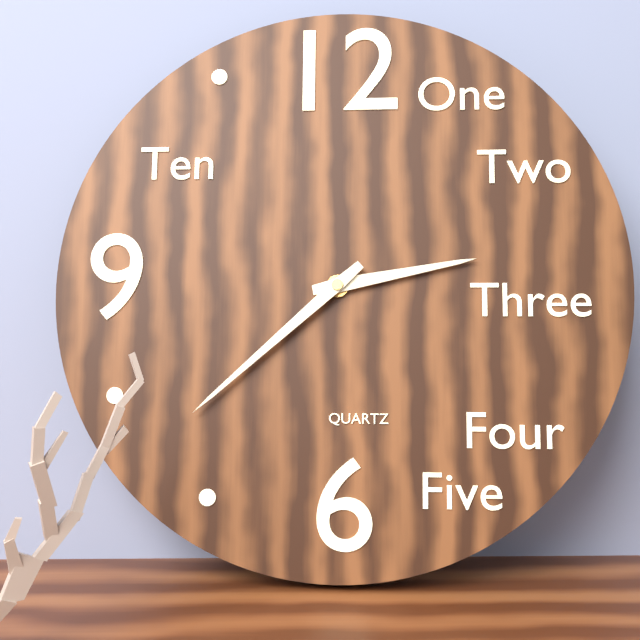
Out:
2.38
